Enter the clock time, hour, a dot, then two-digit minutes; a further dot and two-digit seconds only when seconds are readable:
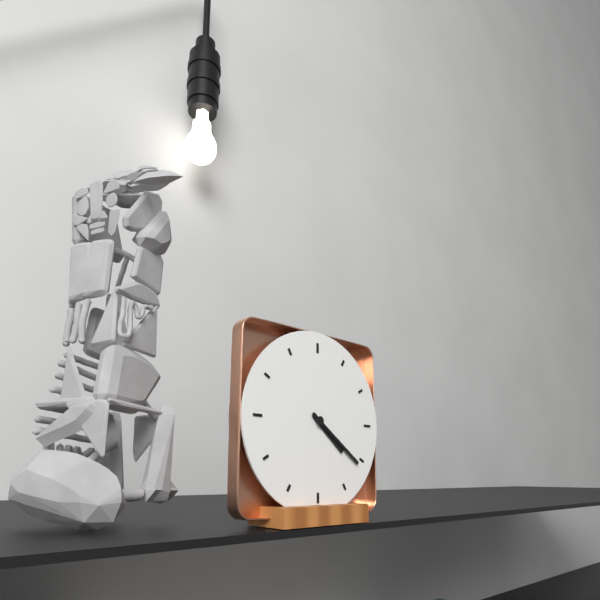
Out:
4.21
